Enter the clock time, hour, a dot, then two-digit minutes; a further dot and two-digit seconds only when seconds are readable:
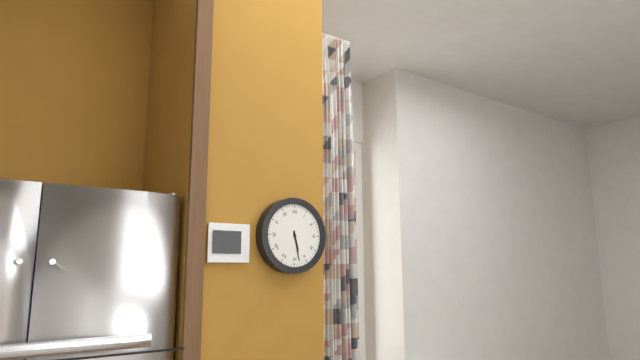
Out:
5.28
